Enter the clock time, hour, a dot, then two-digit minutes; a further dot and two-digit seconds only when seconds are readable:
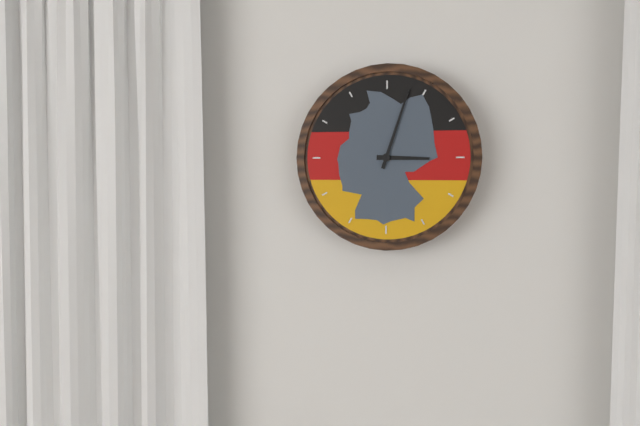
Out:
3.03
